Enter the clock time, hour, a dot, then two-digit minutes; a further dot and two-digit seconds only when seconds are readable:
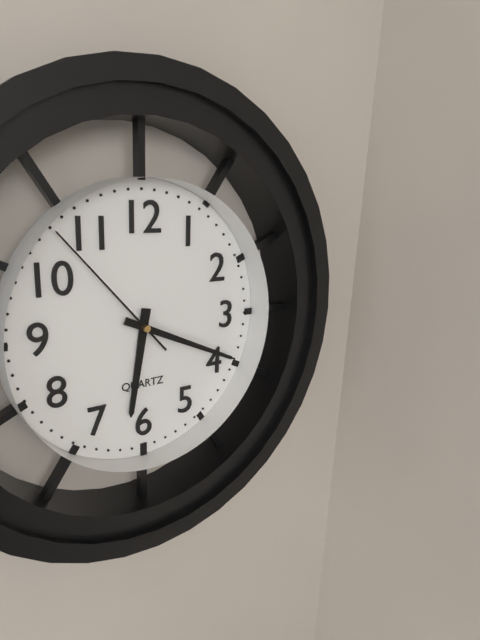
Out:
6.19.53
